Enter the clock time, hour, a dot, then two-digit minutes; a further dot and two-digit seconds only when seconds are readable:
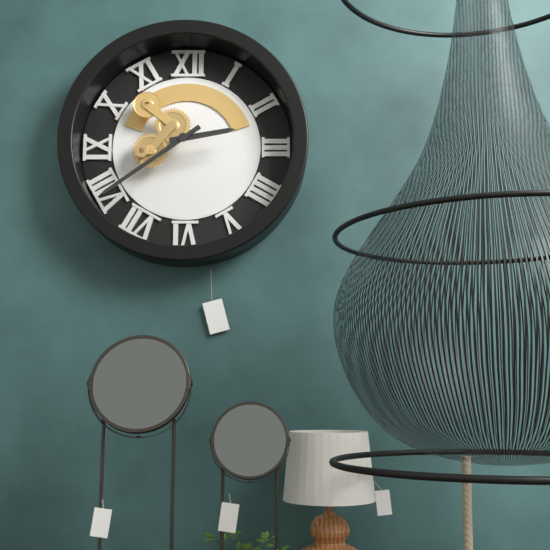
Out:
2.39
